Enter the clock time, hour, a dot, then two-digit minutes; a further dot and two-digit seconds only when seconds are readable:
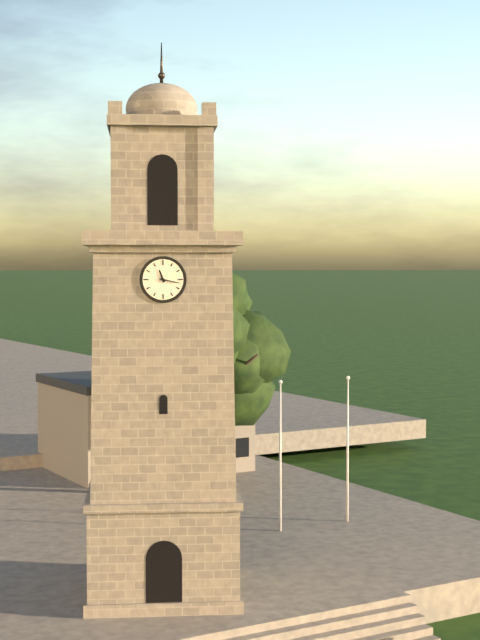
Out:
11.17
